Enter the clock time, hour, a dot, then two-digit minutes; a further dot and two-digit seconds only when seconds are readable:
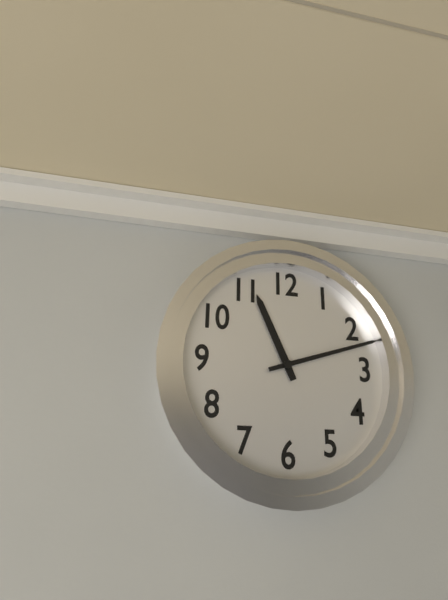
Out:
11.12
